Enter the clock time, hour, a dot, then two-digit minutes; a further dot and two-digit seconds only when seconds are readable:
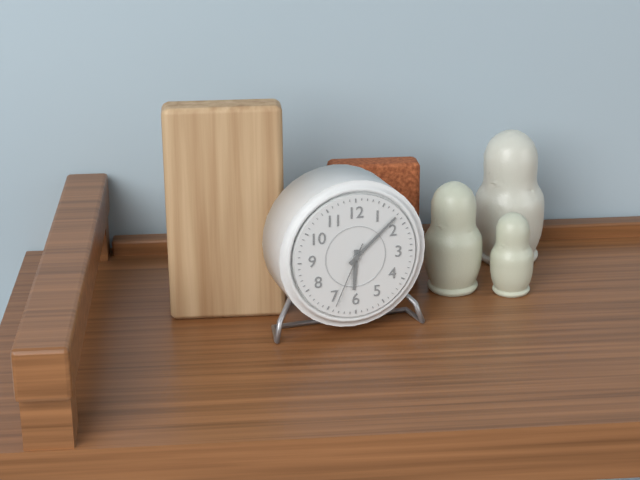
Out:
6.08.34
